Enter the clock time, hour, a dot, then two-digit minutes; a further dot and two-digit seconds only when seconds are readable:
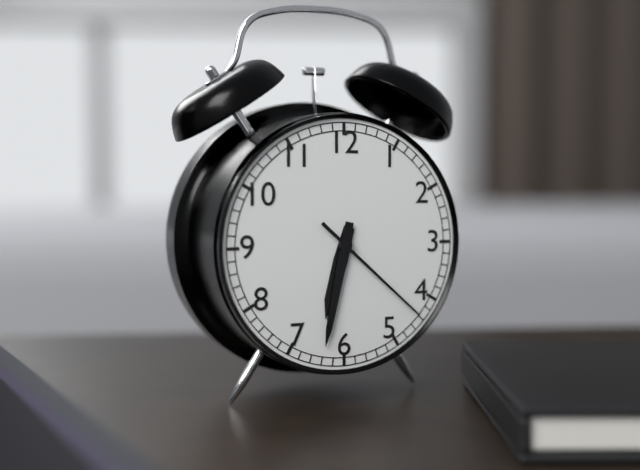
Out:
6.32.22
